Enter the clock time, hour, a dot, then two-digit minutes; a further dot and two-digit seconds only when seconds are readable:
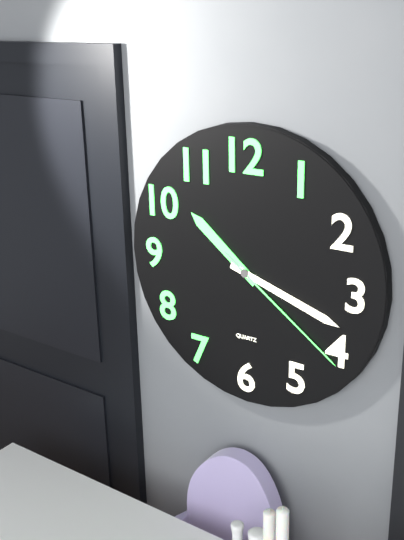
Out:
10.18.21
